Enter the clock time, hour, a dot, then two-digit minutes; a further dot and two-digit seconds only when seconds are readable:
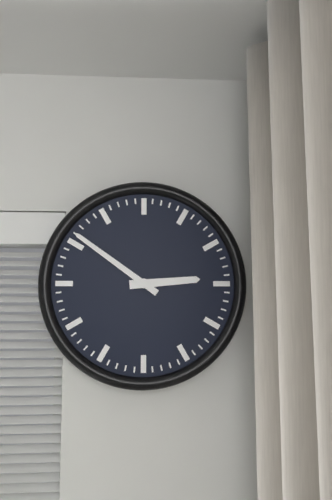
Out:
2.51
